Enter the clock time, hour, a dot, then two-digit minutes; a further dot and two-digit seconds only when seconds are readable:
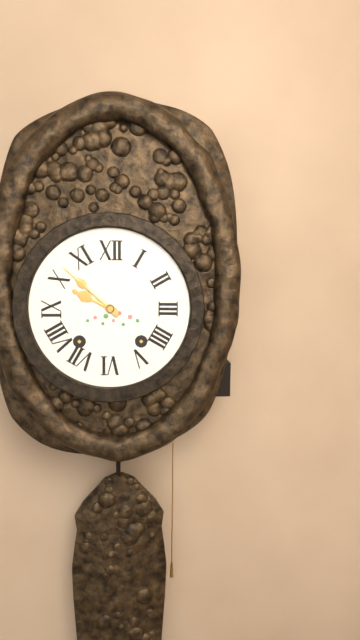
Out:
9.52
